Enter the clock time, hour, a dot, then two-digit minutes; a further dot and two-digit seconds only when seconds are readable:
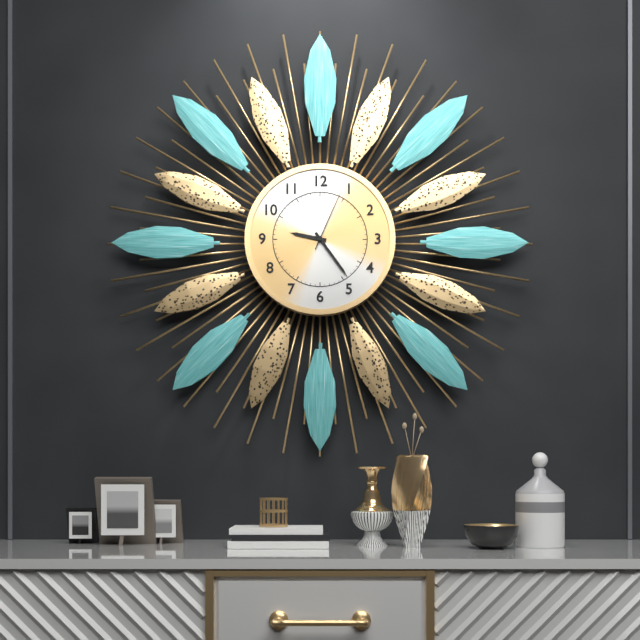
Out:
9.24.04
